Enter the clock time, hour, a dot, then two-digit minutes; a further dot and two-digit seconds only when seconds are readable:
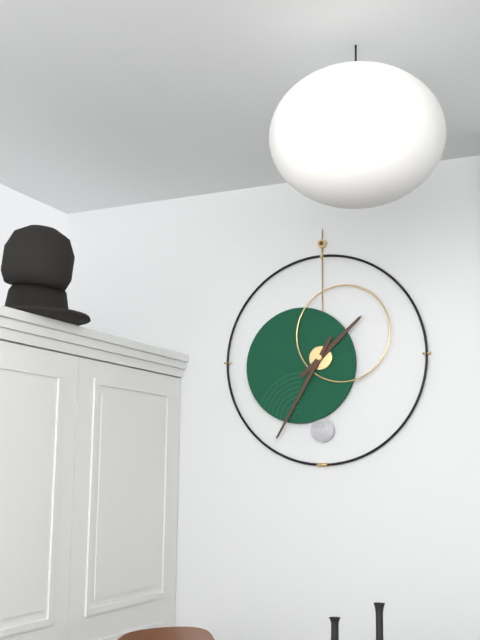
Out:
1.35
